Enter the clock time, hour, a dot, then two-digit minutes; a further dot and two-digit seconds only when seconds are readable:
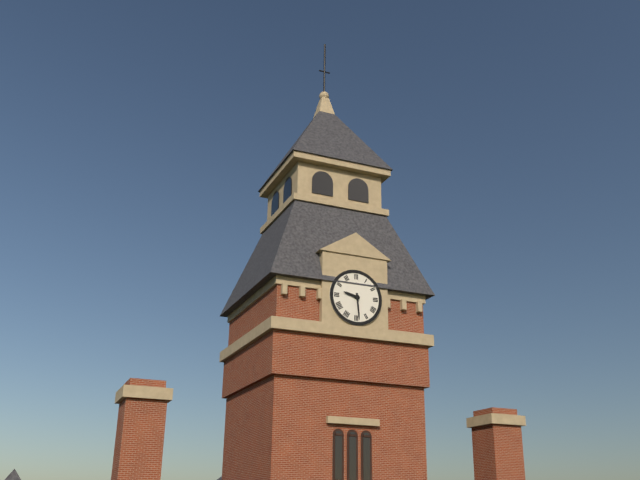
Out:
9.29
